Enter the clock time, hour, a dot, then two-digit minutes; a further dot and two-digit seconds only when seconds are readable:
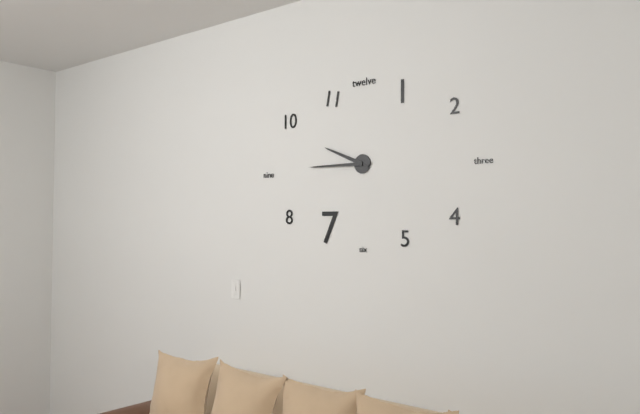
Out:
9.45
